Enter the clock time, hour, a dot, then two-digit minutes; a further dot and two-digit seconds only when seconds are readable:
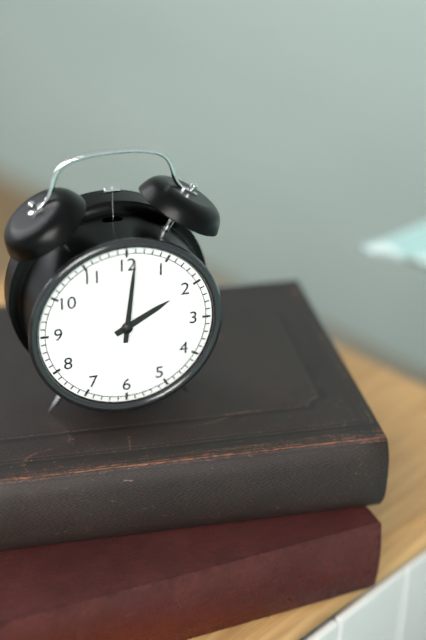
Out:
2.01
